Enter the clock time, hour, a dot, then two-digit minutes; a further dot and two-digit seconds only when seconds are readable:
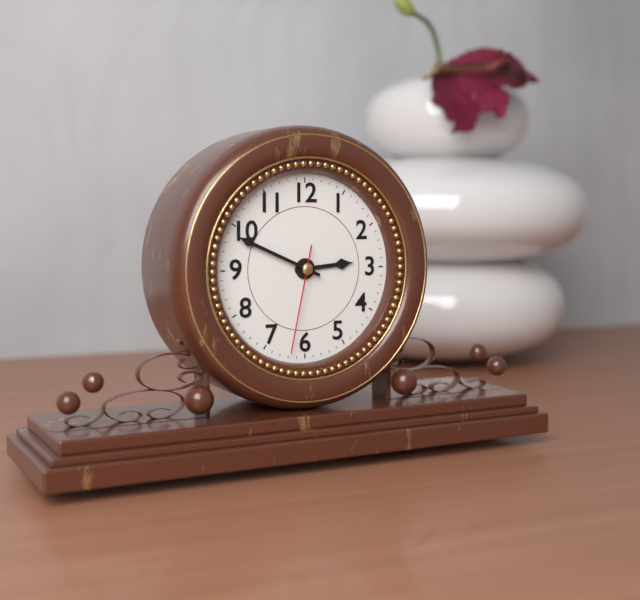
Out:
2.49.32
